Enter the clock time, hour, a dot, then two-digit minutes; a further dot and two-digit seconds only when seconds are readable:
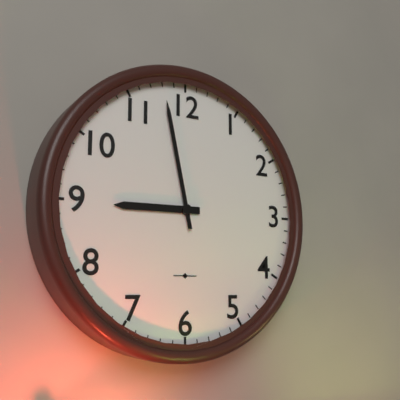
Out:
8.58
